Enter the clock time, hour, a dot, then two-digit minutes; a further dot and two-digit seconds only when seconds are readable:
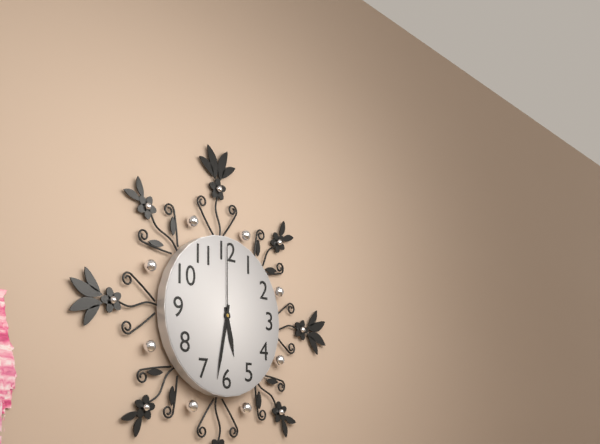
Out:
5.32.00
